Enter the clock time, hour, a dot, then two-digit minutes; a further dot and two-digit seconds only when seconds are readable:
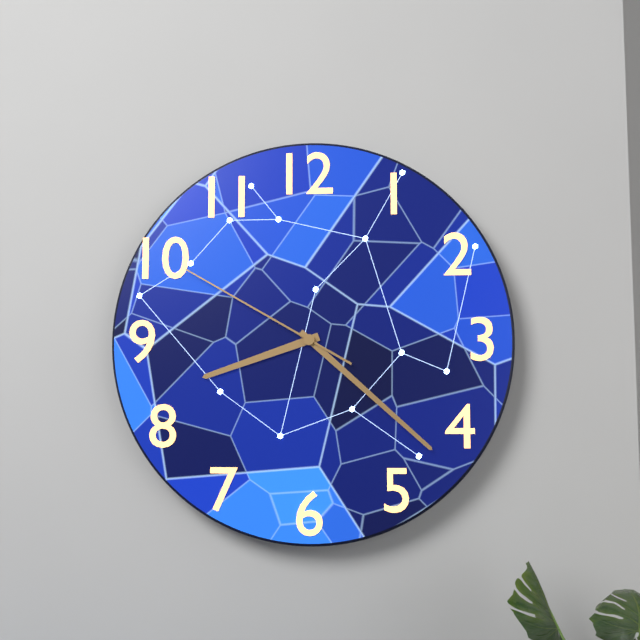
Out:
8.22.50
